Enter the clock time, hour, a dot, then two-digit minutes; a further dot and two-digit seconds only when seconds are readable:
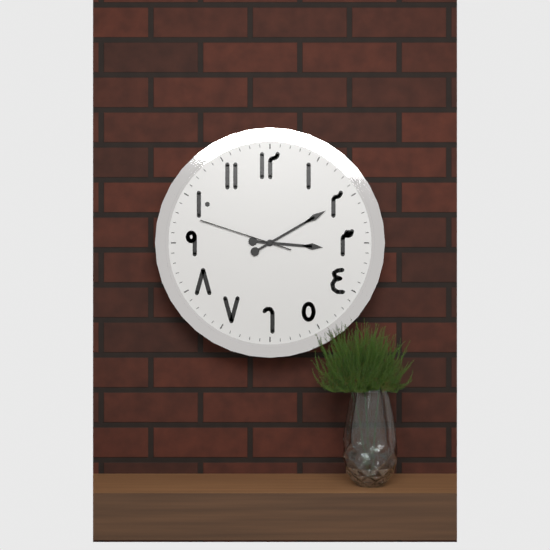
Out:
3.10.48
